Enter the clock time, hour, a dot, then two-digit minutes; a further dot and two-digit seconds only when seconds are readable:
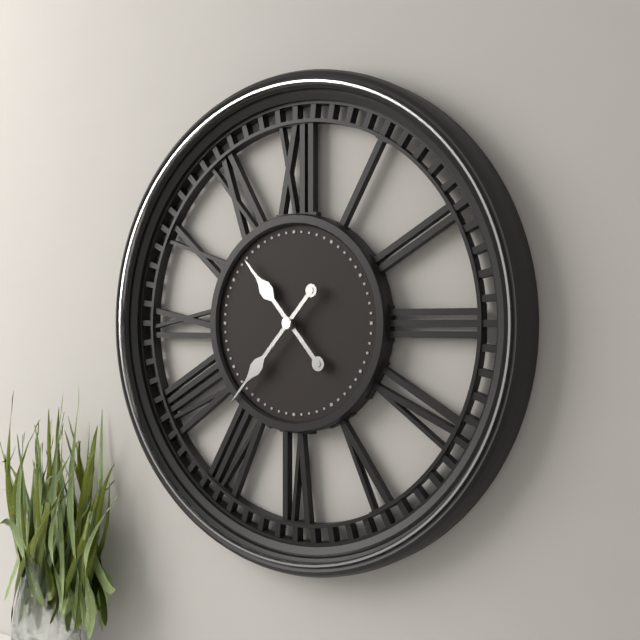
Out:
10.37
